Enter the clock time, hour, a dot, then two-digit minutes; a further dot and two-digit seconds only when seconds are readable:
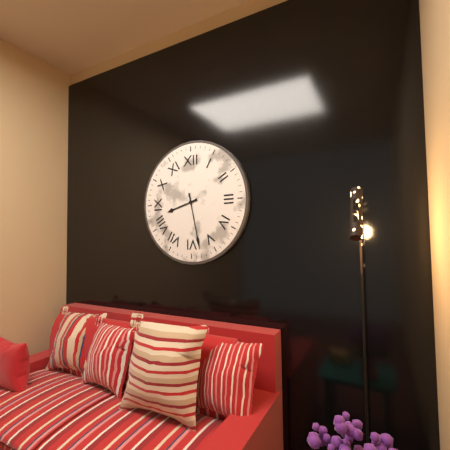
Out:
8.28
